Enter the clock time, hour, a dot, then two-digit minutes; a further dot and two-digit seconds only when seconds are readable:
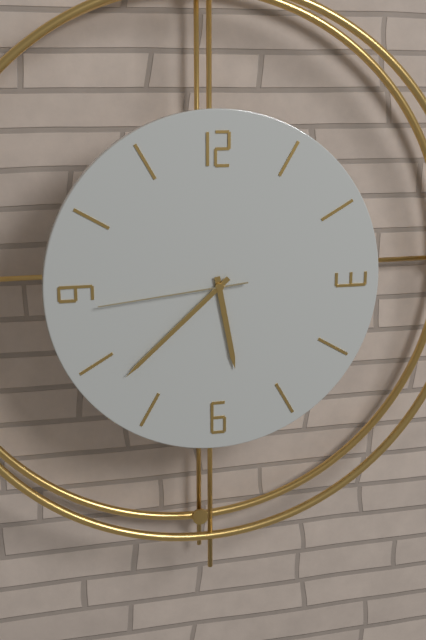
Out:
5.38.44
